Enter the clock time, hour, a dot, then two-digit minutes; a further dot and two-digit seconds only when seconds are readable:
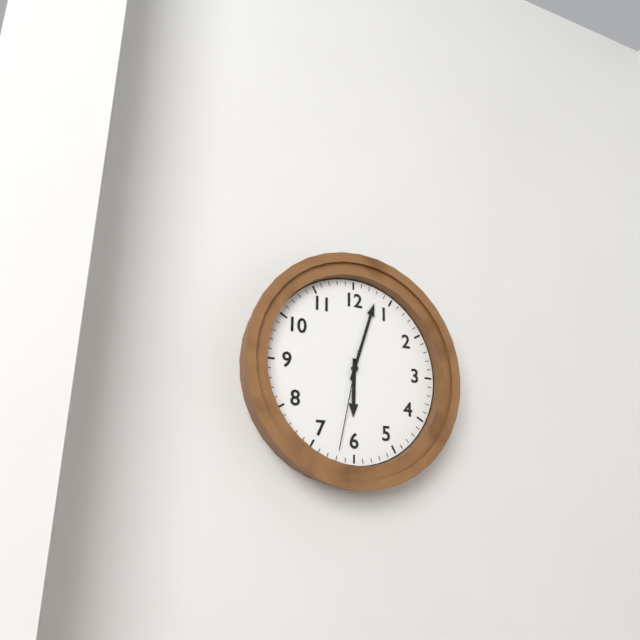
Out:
6.03.32
